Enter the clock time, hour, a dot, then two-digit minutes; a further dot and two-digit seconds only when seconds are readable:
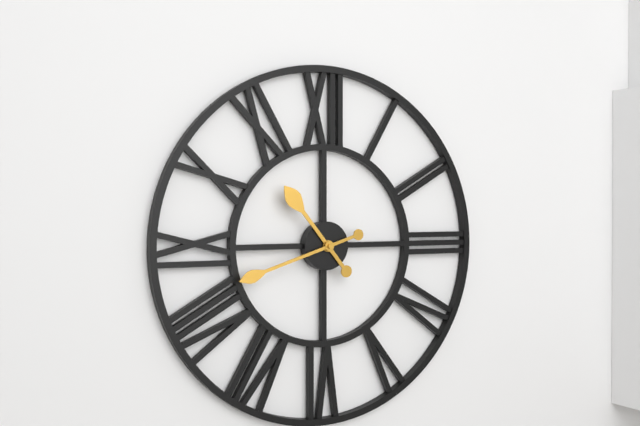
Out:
10.42
